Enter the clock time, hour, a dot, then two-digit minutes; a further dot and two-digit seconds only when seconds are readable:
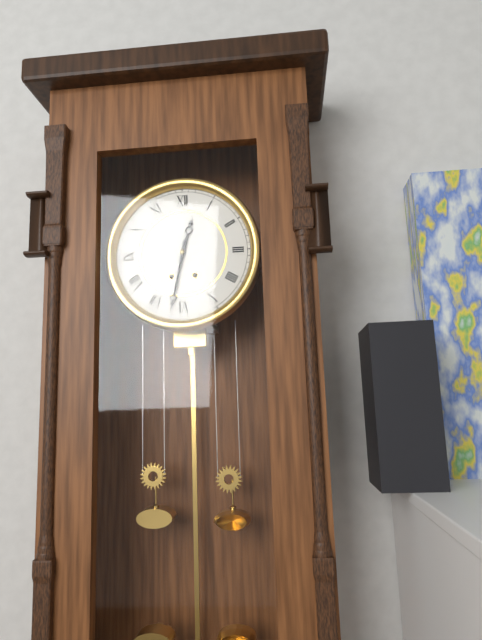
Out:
12.32
